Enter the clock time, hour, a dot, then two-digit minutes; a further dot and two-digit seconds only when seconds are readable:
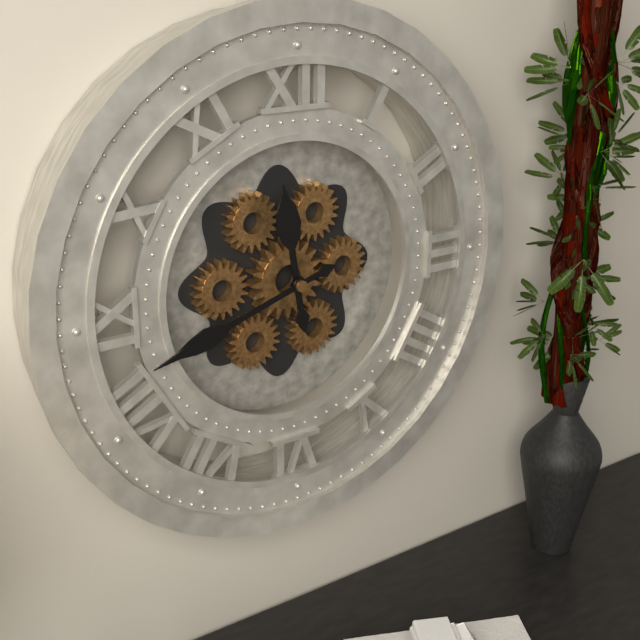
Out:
11.42
